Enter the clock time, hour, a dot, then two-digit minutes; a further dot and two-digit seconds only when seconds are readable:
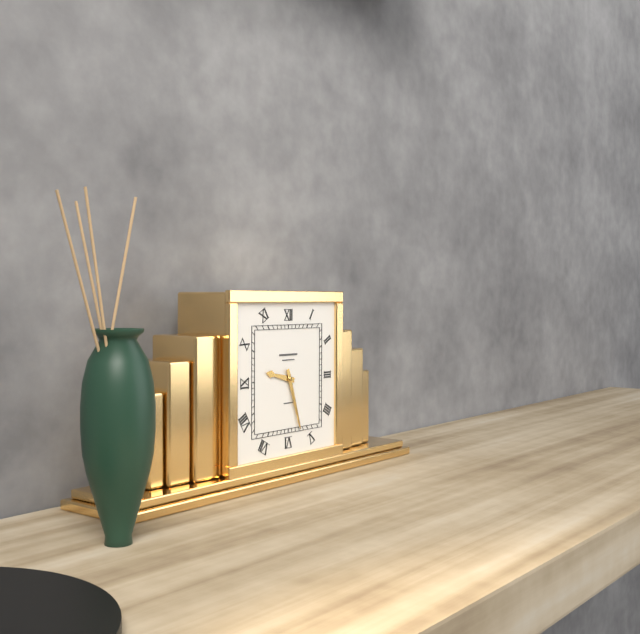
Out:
9.27
